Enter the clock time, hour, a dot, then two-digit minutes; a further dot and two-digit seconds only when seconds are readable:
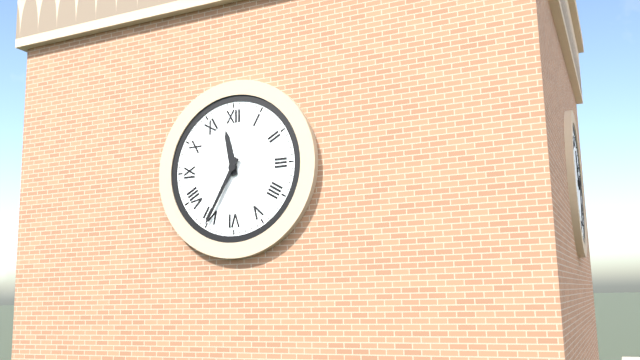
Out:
11.35
